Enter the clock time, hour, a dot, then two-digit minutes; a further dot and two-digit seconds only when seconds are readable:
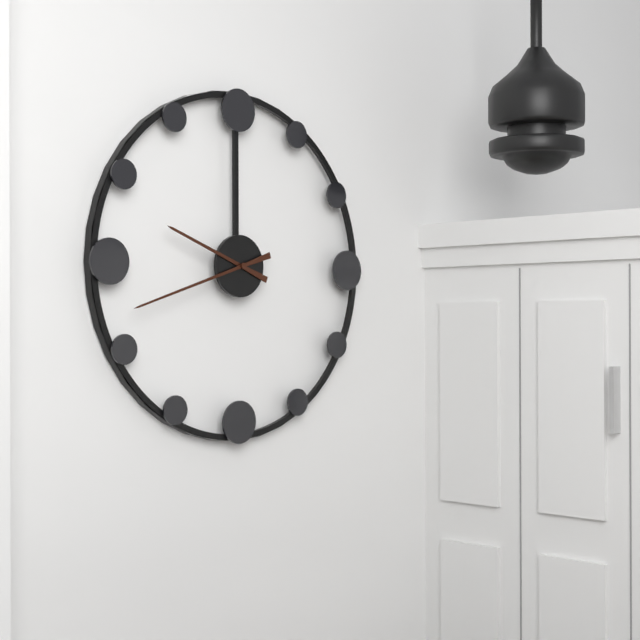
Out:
9.42
